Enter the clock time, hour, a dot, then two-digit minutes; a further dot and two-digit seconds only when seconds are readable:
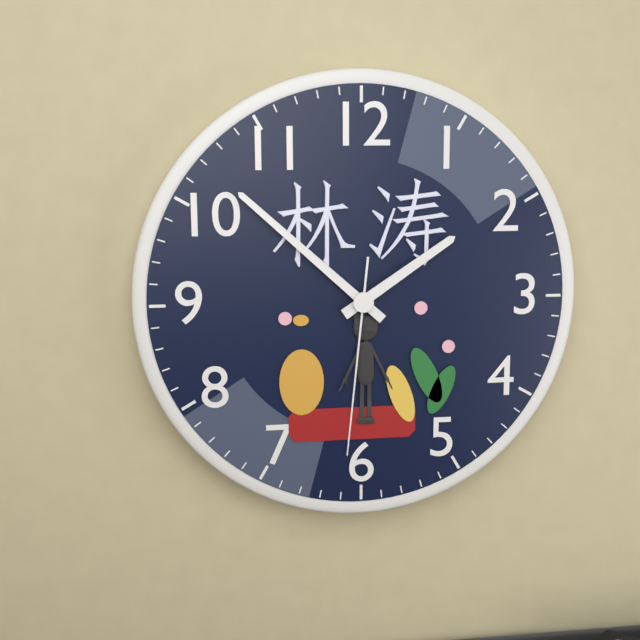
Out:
1.52.31
